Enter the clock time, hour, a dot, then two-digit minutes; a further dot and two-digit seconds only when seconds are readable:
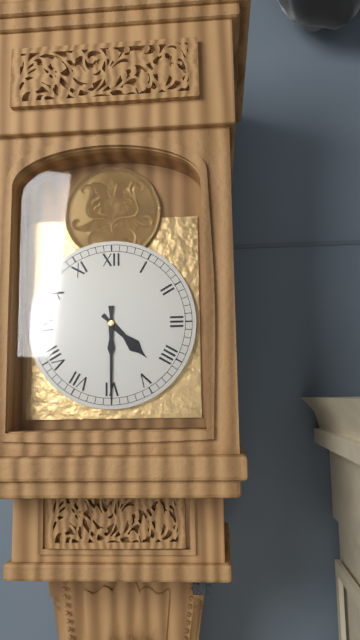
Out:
4.30
